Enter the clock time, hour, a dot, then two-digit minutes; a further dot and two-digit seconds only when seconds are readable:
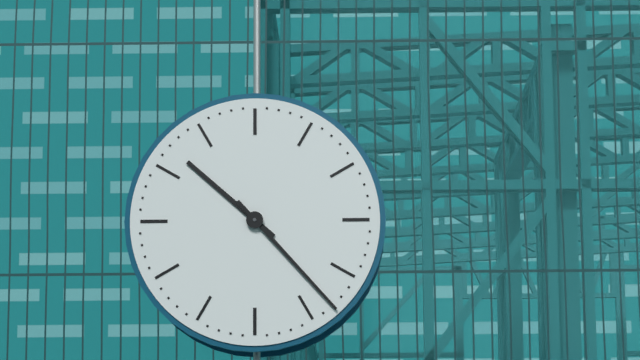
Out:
10.23
